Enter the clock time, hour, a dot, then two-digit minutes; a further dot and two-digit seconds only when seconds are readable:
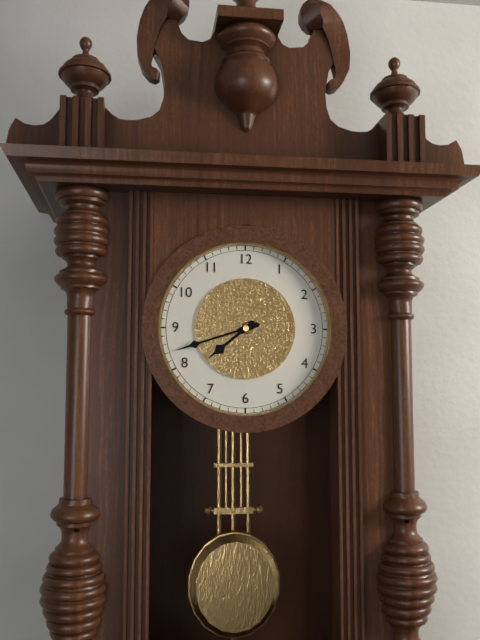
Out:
7.42
